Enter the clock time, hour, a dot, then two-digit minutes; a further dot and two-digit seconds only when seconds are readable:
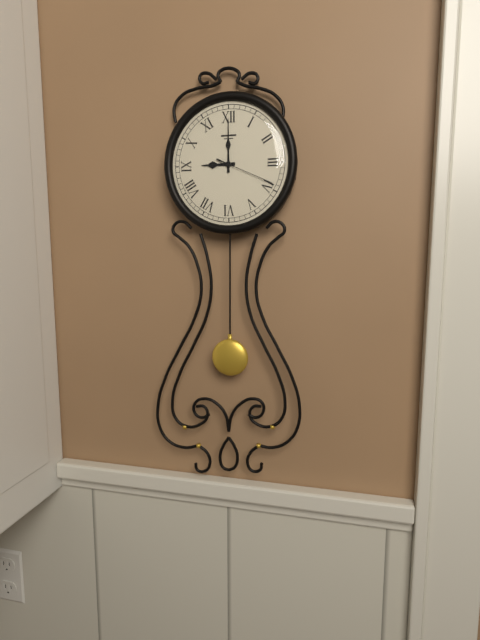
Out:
9.00.19
